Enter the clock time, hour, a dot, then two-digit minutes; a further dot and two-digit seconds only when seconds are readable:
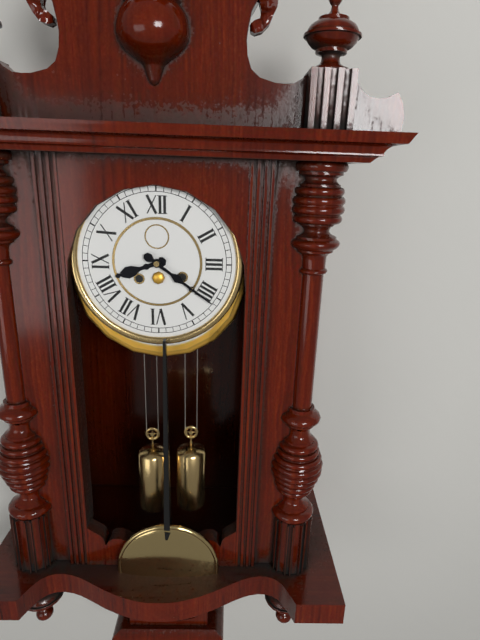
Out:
8.21
